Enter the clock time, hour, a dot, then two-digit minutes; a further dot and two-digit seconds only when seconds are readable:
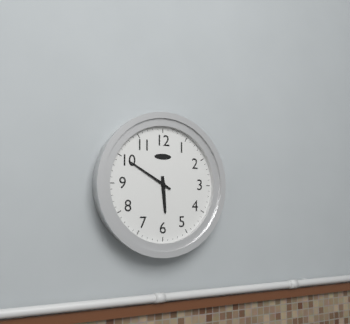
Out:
5.50
